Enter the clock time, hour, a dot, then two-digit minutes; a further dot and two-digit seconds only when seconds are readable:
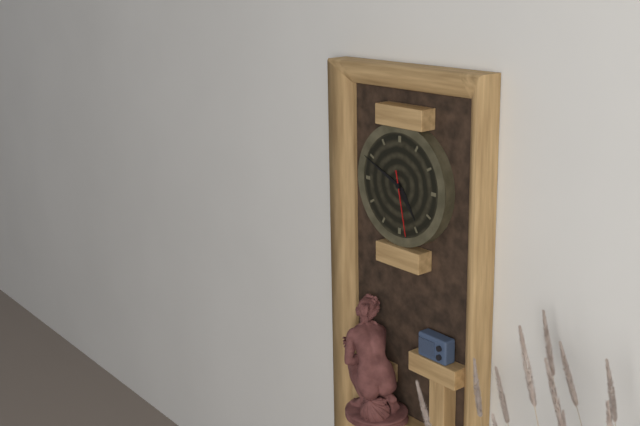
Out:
4.49.28
